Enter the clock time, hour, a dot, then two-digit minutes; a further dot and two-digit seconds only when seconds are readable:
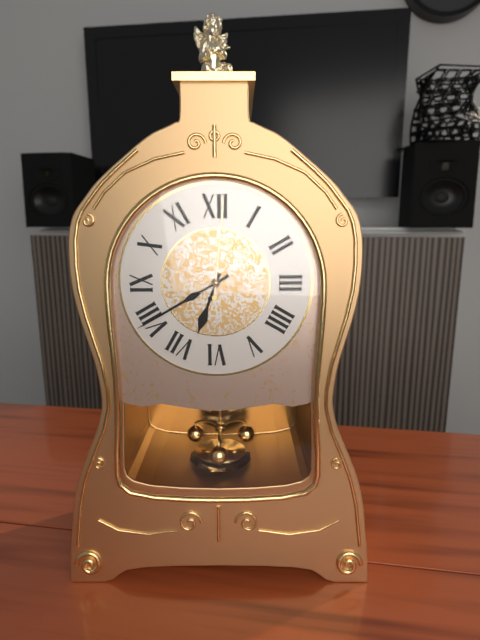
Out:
6.40.01
